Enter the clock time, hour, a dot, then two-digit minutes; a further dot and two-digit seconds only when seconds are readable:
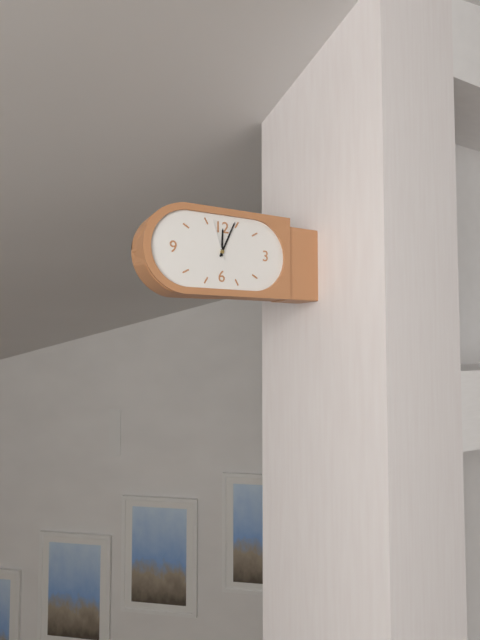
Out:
12.04
